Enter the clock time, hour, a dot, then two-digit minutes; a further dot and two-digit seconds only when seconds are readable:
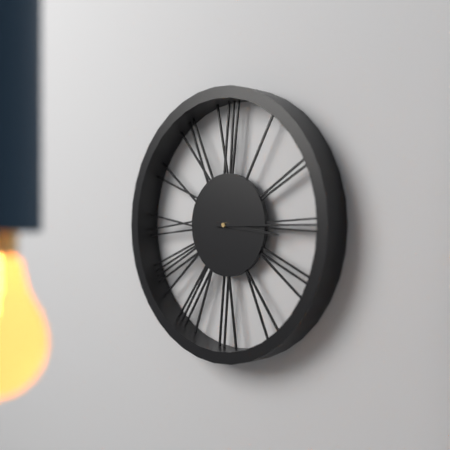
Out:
3.15
